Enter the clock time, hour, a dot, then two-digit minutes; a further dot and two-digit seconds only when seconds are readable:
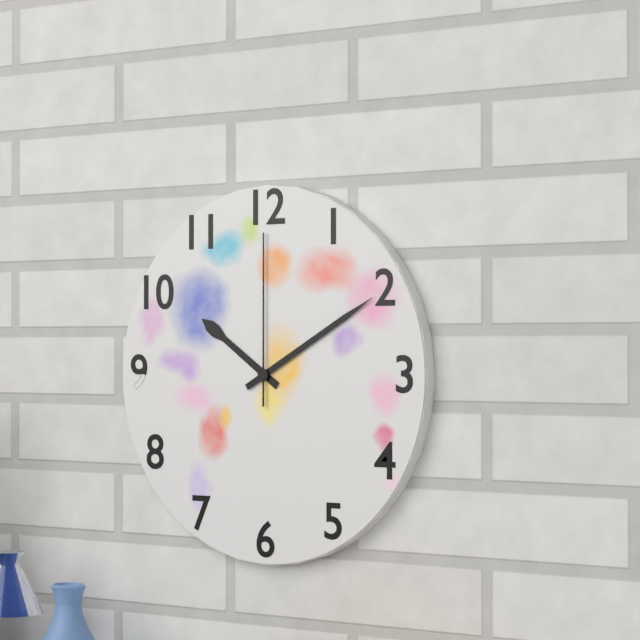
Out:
10.10.00
